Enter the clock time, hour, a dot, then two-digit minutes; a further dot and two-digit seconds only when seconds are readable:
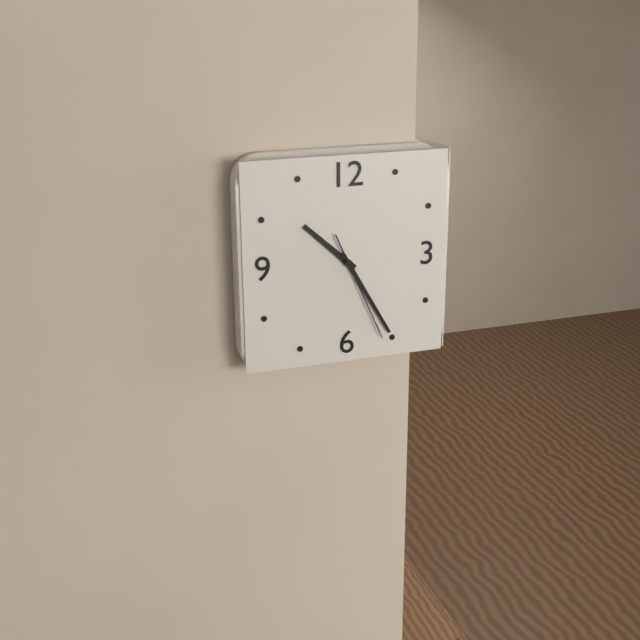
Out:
10.25.26
